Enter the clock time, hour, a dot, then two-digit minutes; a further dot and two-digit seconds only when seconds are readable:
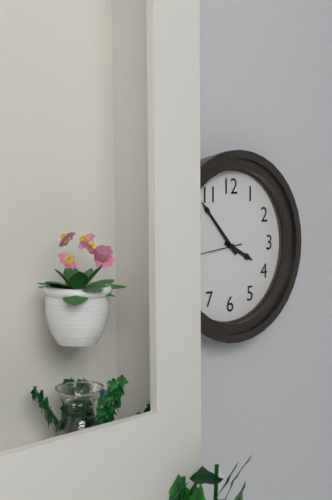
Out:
3.53
